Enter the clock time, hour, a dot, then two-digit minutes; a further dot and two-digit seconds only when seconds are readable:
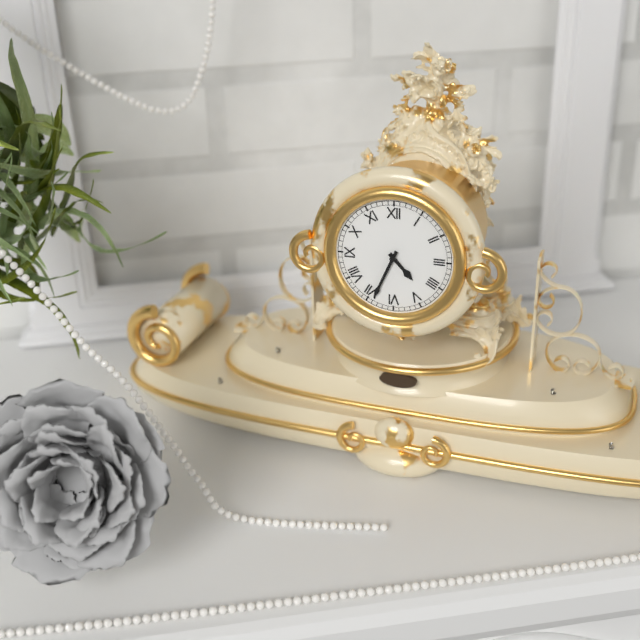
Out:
4.34
